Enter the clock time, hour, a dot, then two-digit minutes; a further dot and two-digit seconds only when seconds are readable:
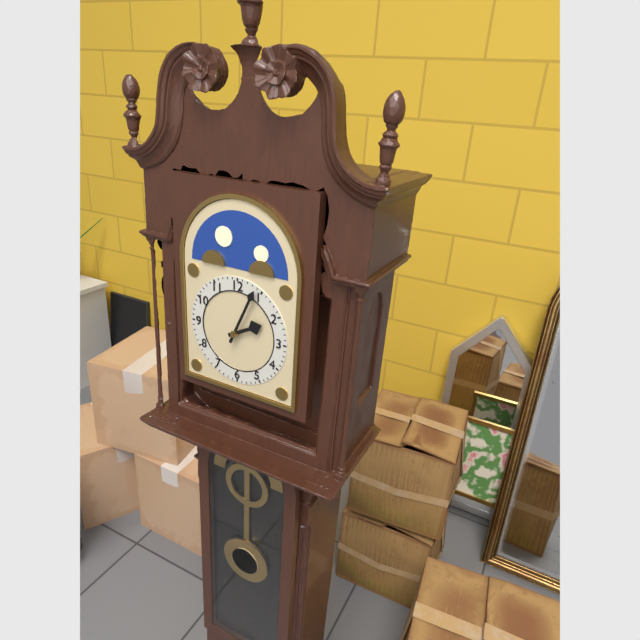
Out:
2.04
